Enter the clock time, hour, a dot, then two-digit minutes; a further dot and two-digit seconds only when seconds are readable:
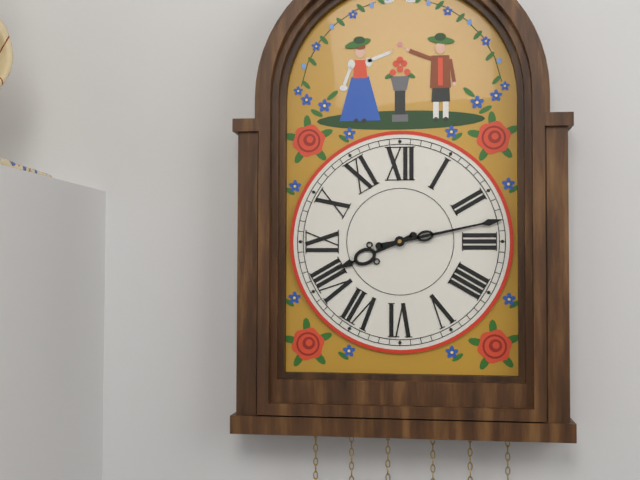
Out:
8.13
